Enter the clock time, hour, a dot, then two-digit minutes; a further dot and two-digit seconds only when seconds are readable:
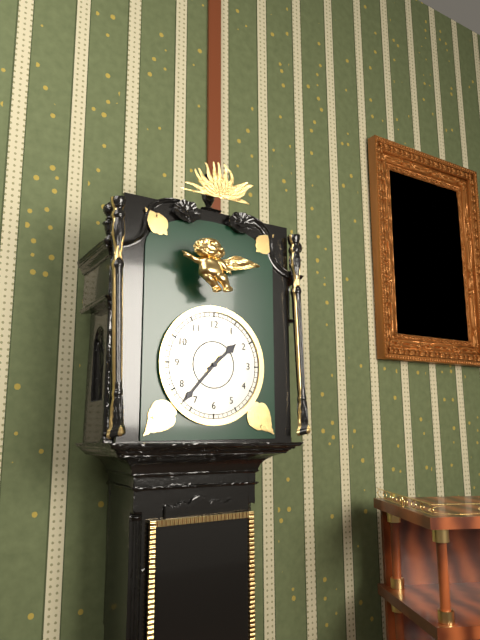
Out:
1.37
